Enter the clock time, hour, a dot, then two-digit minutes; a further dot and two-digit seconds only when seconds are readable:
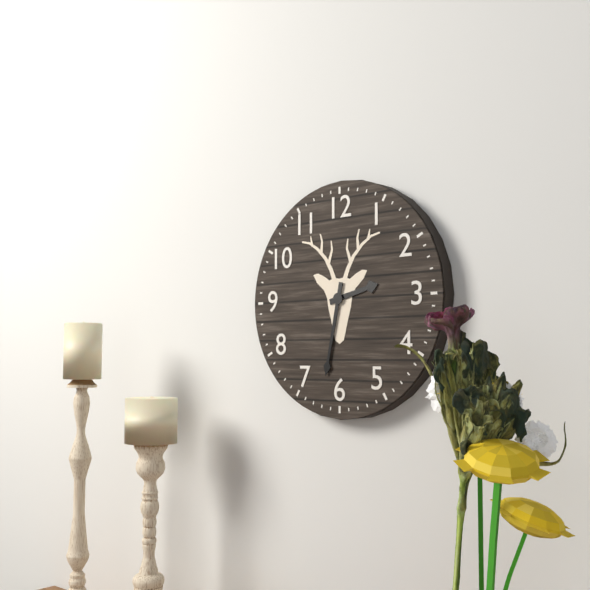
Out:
2.32
